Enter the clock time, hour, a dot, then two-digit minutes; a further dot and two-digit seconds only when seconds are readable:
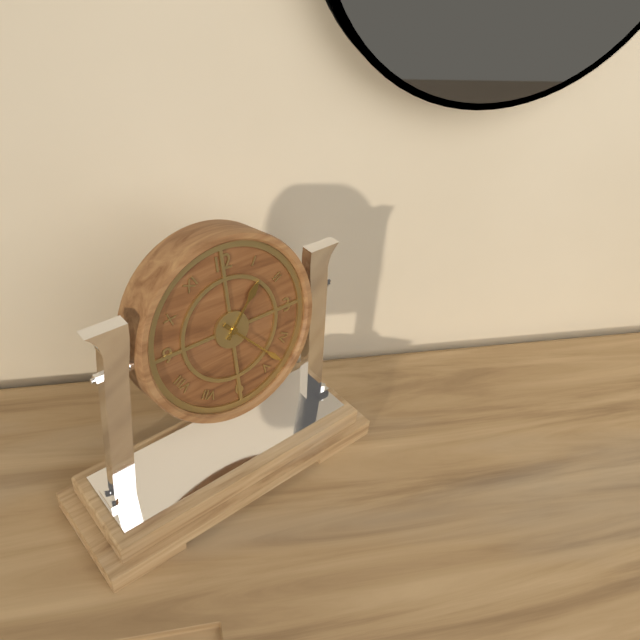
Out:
1.23
